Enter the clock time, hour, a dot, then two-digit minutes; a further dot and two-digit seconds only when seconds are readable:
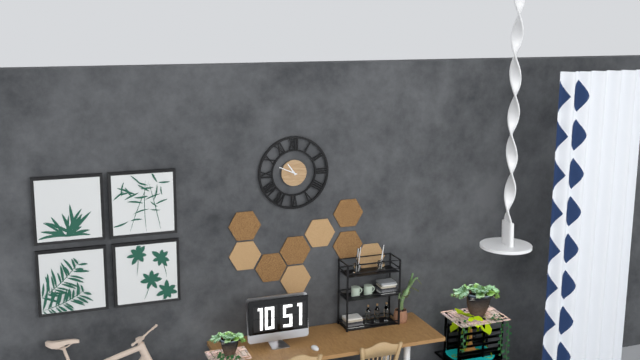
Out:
10.49
